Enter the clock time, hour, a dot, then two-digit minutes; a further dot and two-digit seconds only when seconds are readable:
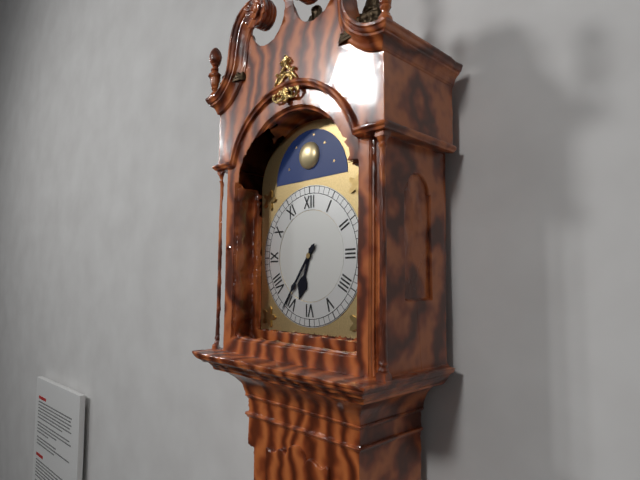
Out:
6.36
